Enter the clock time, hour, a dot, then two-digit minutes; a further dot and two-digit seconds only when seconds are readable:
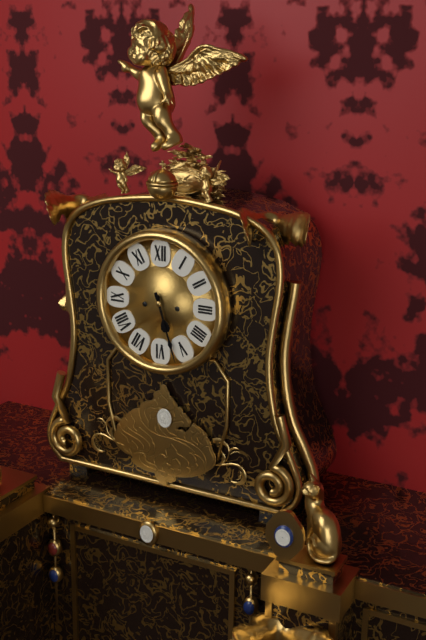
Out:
5.27
